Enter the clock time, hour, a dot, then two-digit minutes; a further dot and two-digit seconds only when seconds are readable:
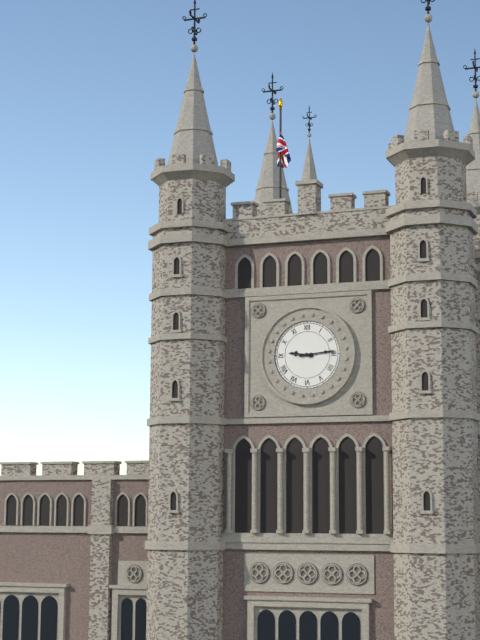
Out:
9.14
